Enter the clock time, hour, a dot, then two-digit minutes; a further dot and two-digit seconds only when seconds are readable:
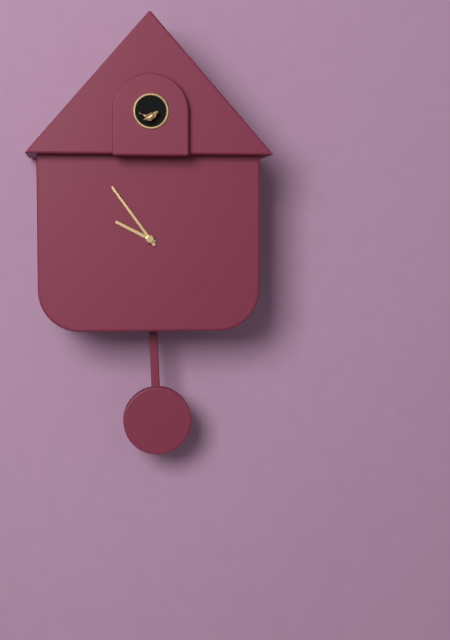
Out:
9.54
